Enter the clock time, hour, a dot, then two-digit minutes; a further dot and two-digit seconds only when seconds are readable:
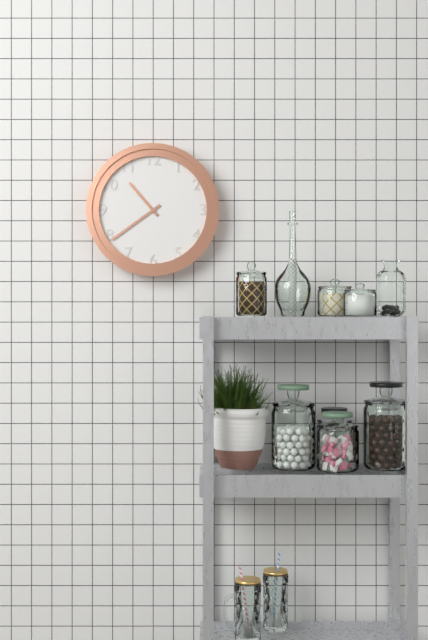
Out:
10.39
